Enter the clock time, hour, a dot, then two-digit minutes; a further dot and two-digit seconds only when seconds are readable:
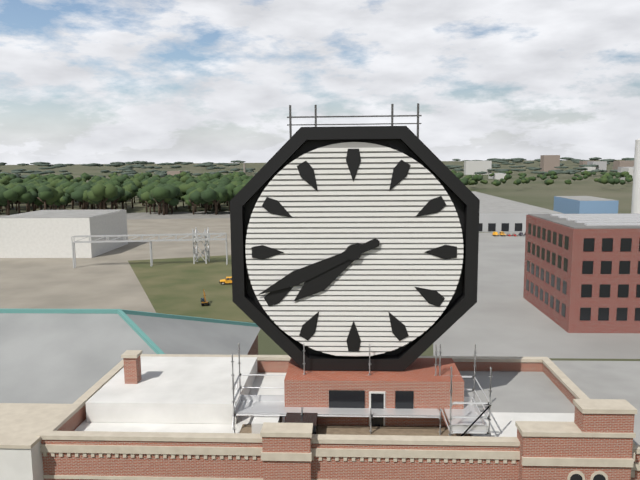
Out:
7.41
